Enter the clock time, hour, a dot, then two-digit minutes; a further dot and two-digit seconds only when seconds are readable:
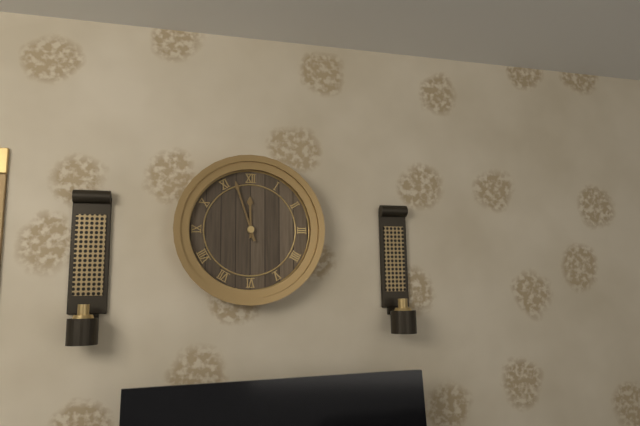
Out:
11.57
